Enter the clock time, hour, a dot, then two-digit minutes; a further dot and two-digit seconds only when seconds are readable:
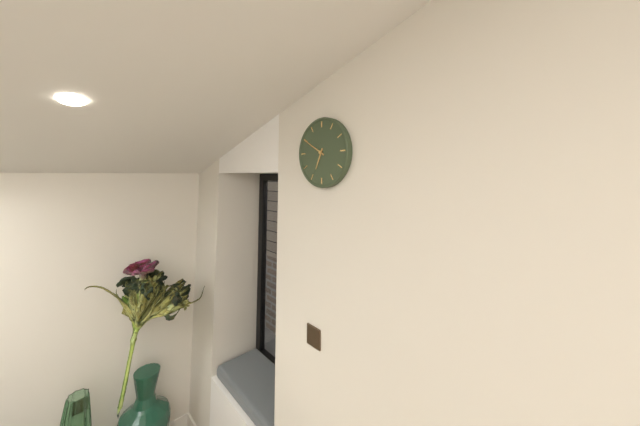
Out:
6.50
